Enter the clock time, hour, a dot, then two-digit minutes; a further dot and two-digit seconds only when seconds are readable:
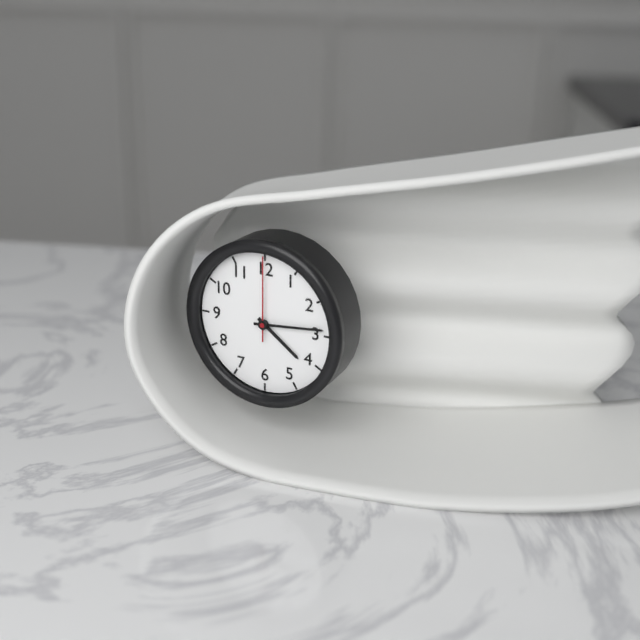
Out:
4.14.00
